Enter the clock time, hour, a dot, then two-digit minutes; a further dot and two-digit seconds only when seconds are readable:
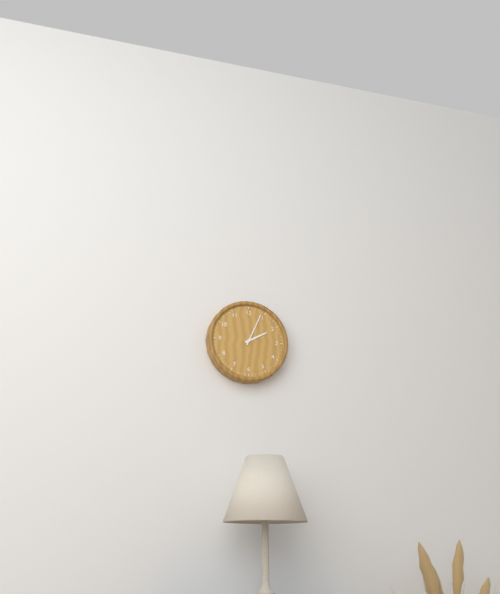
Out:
2.04
